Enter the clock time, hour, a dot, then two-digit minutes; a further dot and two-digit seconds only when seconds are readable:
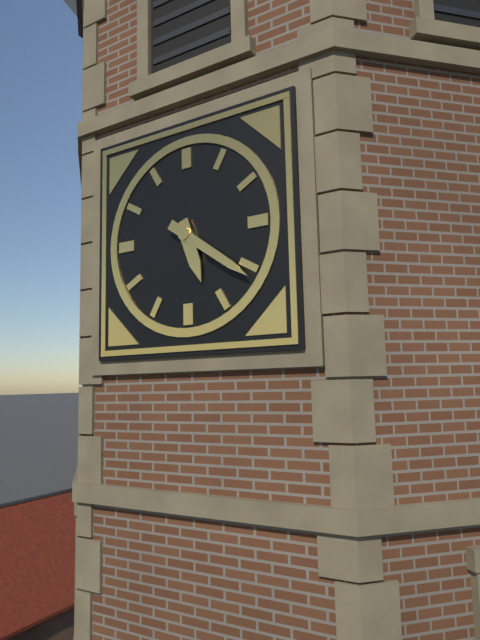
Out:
5.21
